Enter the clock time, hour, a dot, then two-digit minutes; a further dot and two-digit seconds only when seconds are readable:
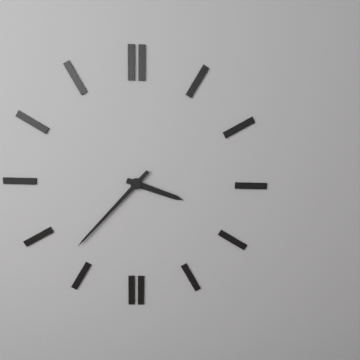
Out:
3.37
